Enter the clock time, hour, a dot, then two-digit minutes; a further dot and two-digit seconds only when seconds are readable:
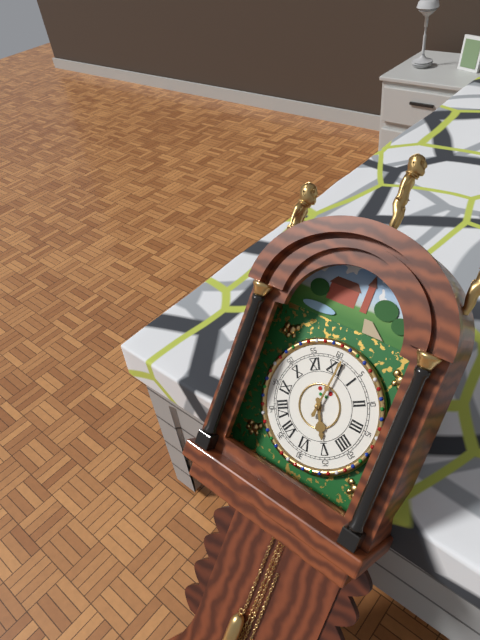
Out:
5.01
